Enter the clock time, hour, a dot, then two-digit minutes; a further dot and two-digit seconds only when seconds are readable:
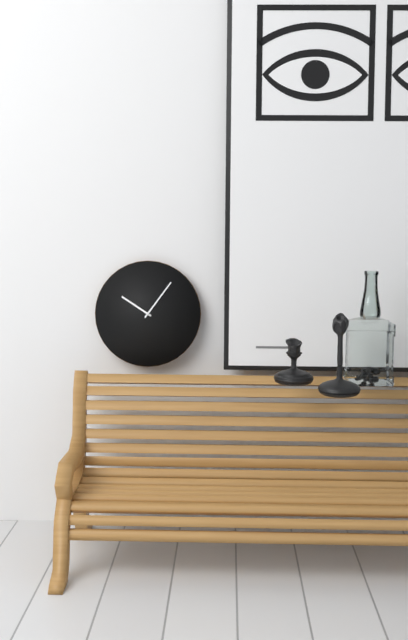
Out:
10.06
